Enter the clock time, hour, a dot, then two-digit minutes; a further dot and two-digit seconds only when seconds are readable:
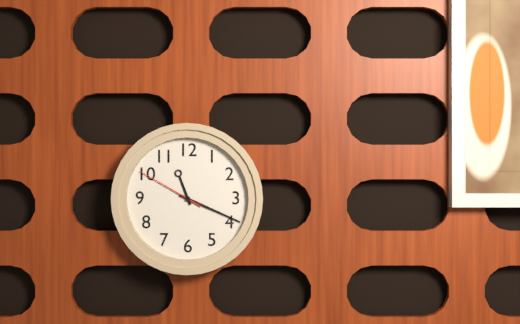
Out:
11.19.50
